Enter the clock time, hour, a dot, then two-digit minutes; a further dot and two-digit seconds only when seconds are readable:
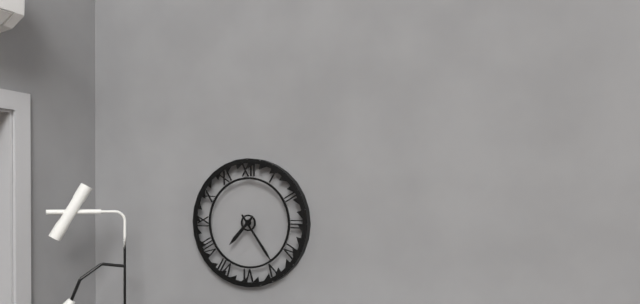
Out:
7.24
